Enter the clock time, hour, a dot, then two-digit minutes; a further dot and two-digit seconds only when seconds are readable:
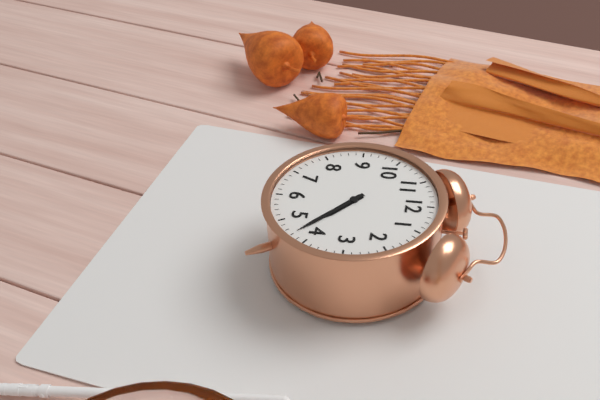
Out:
4.22
